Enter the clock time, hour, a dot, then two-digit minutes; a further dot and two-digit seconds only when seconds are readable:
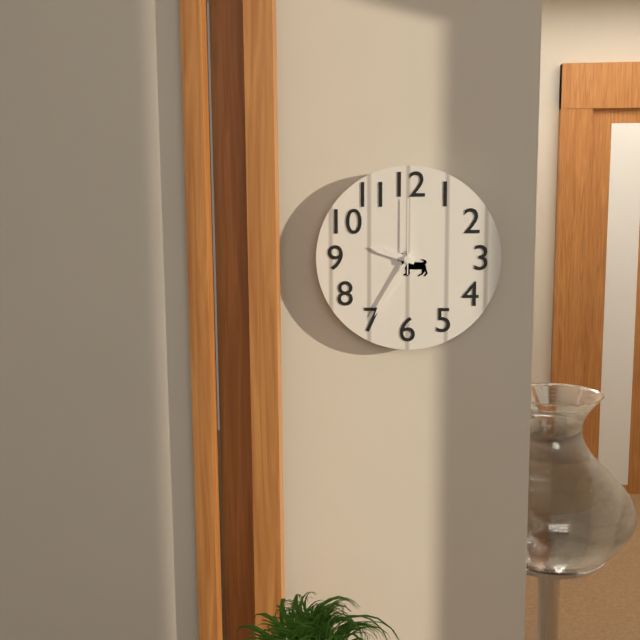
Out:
9.35.00
